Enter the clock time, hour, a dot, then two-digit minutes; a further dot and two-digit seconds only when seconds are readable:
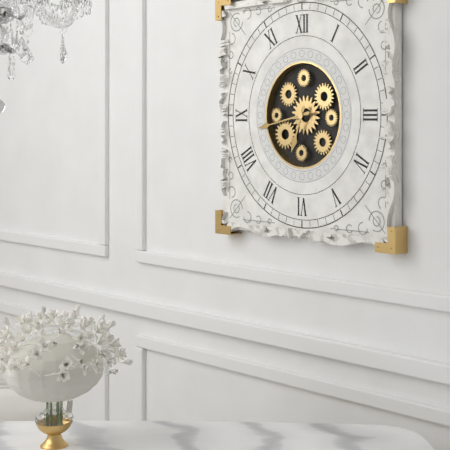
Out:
6.43
